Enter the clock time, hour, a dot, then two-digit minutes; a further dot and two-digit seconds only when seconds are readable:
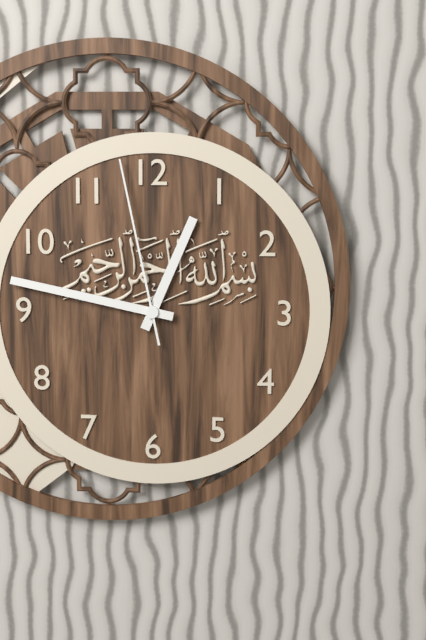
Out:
12.47.58
